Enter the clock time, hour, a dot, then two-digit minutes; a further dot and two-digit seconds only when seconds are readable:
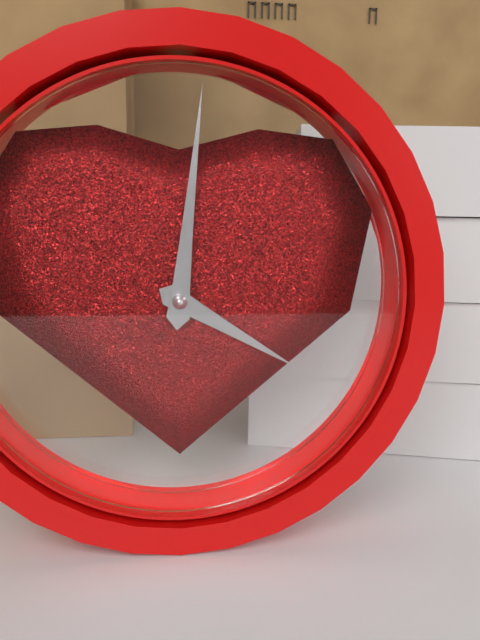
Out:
4.01
